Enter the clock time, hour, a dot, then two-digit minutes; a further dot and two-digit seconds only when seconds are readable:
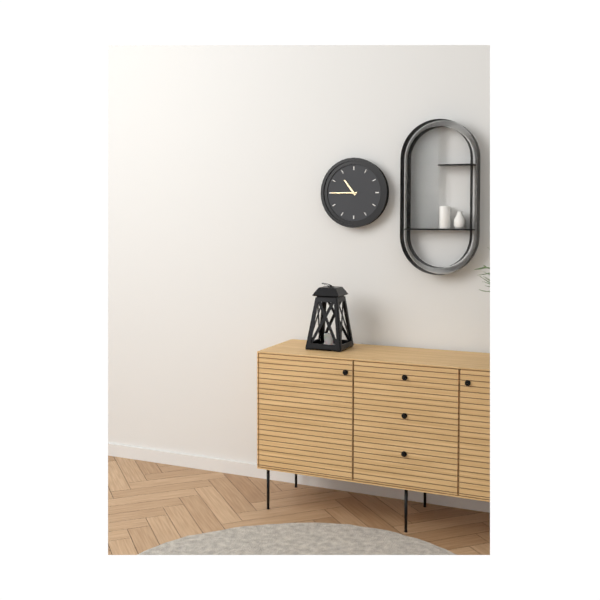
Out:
10.45
